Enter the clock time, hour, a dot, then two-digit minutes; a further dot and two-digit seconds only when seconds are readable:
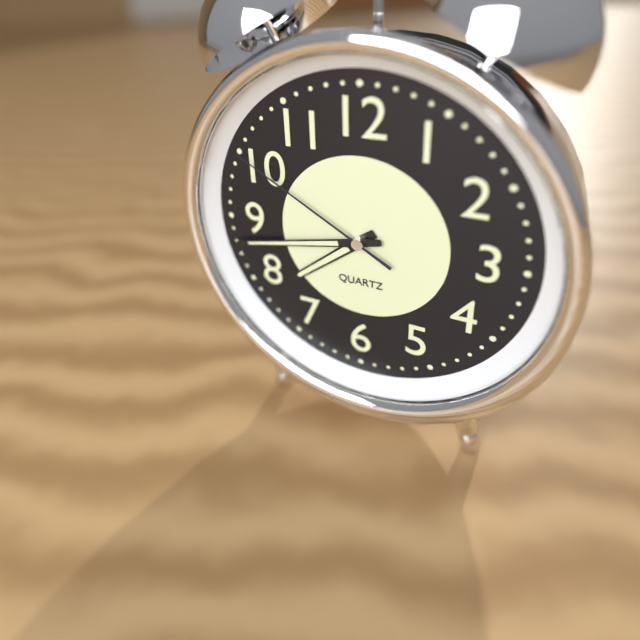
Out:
7.43.50
